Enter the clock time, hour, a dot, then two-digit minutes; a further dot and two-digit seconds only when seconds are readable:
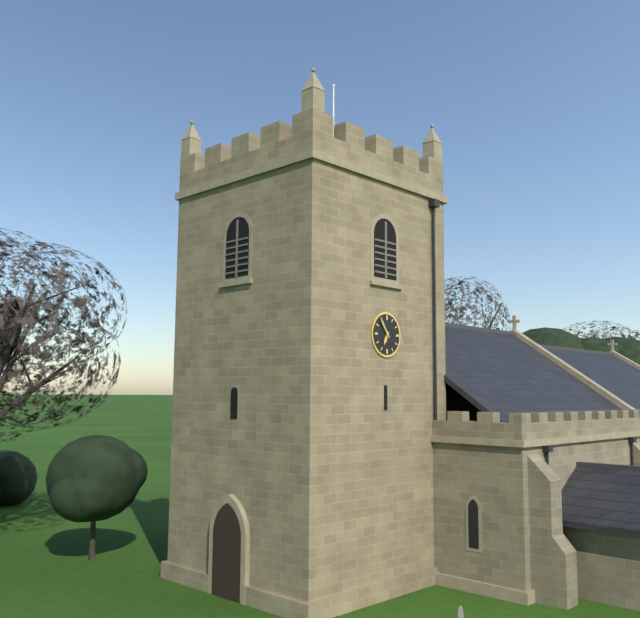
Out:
6.54
